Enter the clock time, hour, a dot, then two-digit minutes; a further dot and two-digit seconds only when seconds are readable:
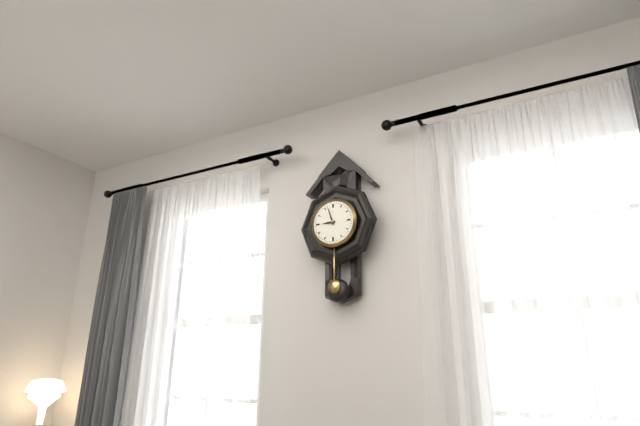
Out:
8.57
